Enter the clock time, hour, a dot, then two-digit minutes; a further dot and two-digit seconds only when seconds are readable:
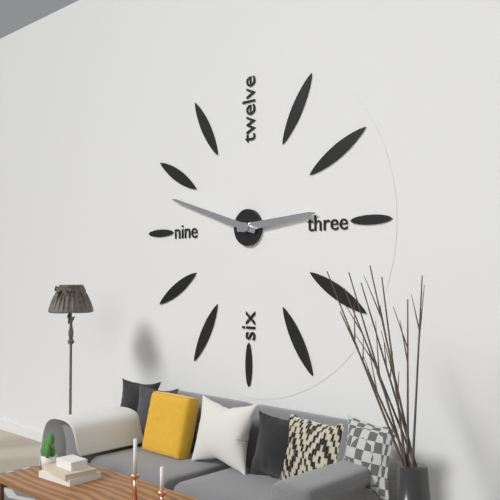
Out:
2.48
